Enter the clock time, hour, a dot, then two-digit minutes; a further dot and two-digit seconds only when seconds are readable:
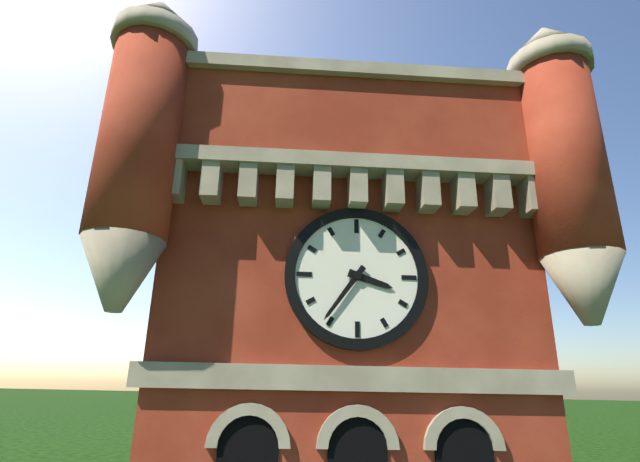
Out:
3.36
